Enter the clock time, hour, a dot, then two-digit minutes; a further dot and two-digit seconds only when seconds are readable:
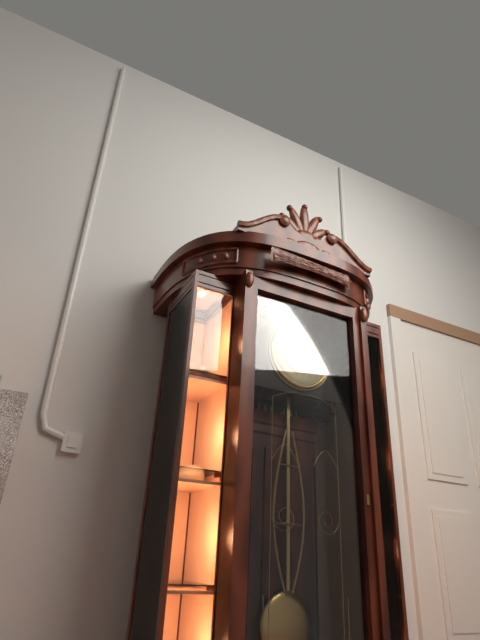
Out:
11.04
